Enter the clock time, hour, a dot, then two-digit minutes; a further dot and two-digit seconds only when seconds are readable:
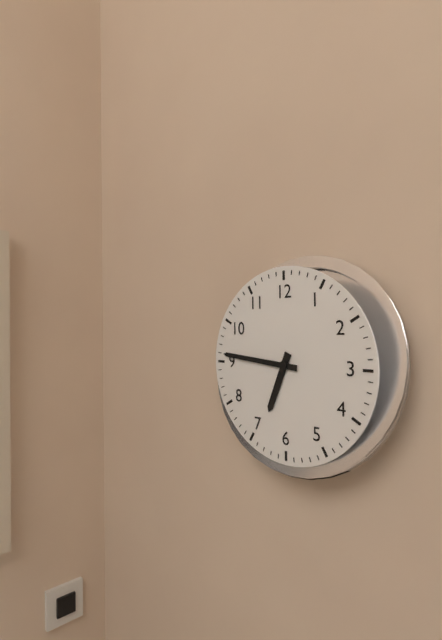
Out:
6.46
